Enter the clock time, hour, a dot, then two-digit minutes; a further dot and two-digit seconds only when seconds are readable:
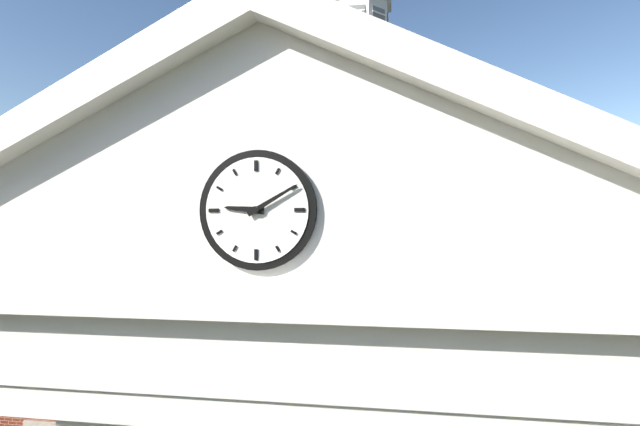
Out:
9.10
